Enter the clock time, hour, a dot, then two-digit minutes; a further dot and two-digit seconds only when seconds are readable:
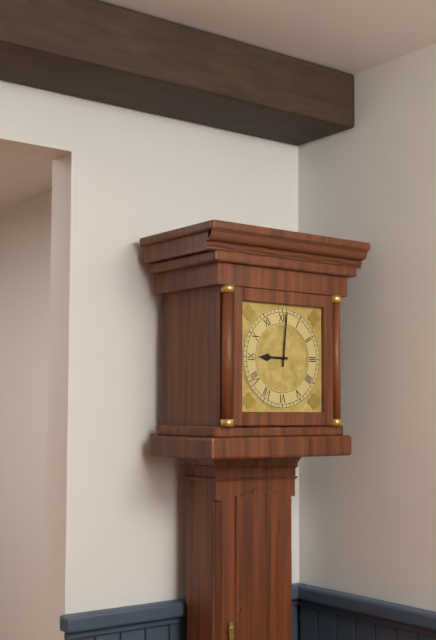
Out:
9.01
